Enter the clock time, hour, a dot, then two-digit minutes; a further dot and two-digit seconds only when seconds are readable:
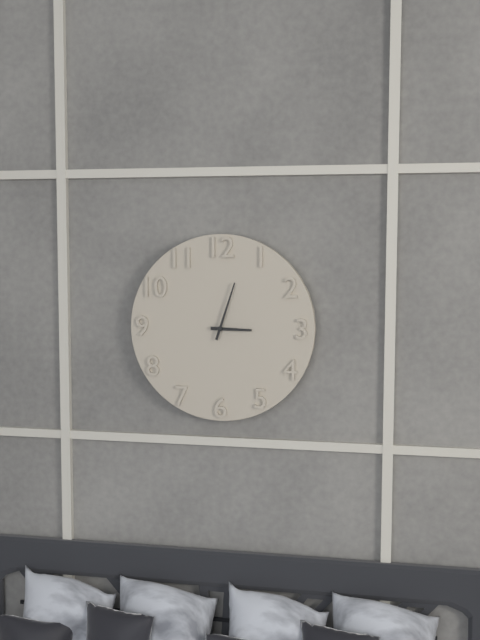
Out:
3.03
